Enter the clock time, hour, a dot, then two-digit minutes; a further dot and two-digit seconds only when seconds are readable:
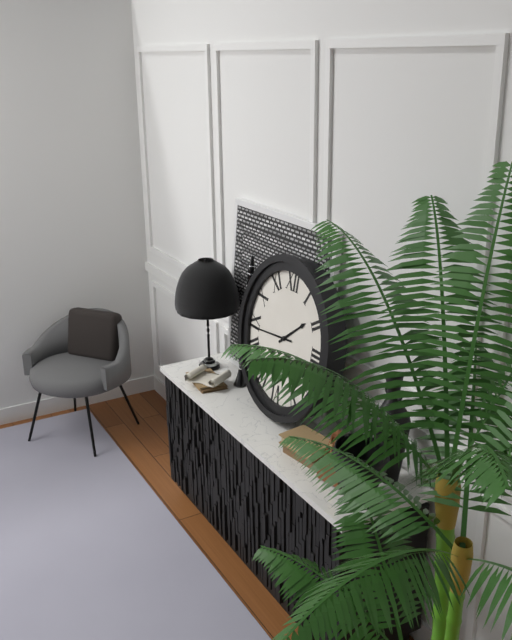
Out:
1.44
